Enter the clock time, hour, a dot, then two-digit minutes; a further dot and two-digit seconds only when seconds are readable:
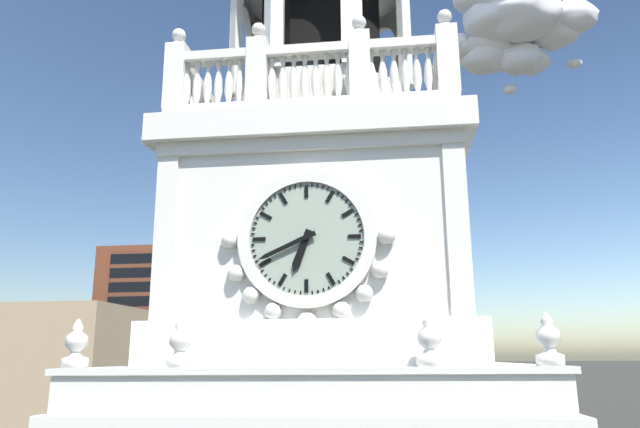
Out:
6.41
